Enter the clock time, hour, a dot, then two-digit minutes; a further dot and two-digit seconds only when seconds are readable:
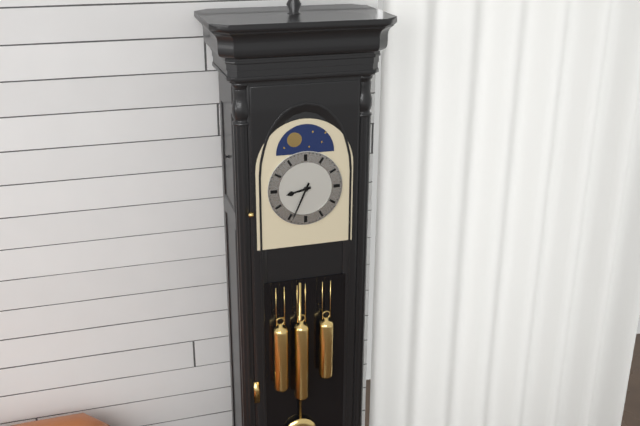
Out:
8.34
